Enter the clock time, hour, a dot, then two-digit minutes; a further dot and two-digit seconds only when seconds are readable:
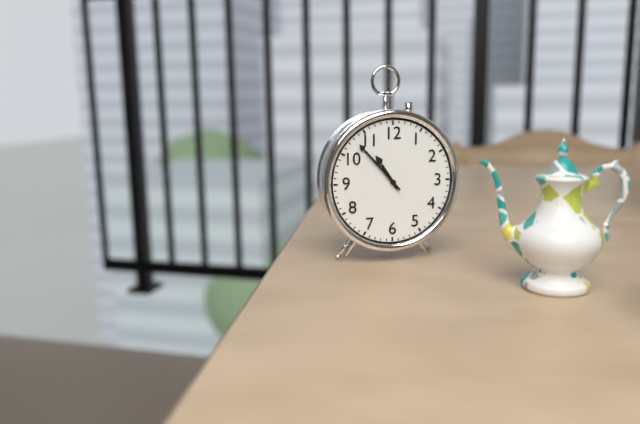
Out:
10.53
